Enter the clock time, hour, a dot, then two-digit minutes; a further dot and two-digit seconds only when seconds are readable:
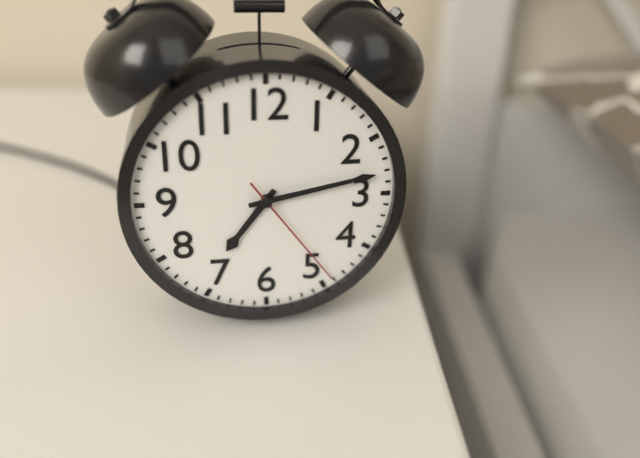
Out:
7.13.24
